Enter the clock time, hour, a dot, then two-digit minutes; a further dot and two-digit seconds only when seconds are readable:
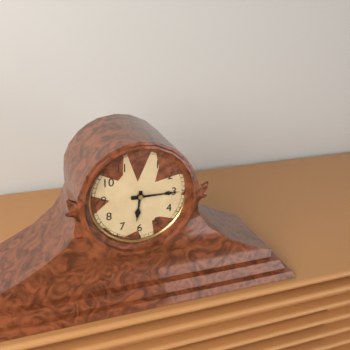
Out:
6.15
